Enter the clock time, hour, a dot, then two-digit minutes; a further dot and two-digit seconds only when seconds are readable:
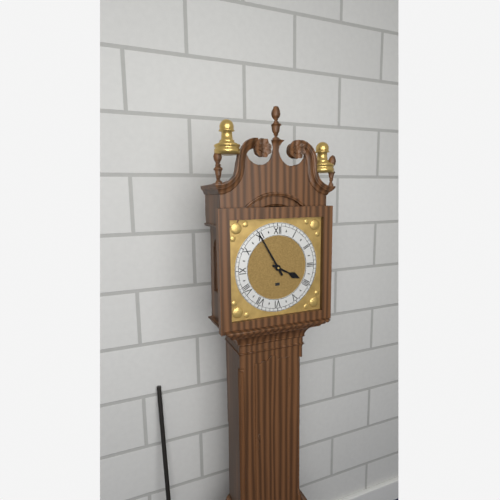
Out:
3.55
